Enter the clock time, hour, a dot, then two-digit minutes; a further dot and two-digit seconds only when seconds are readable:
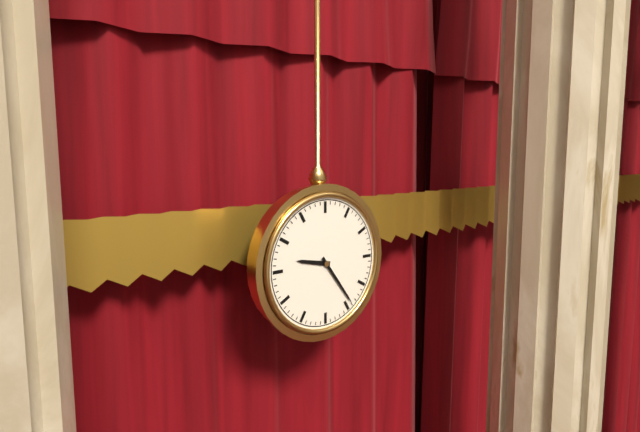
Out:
9.24
